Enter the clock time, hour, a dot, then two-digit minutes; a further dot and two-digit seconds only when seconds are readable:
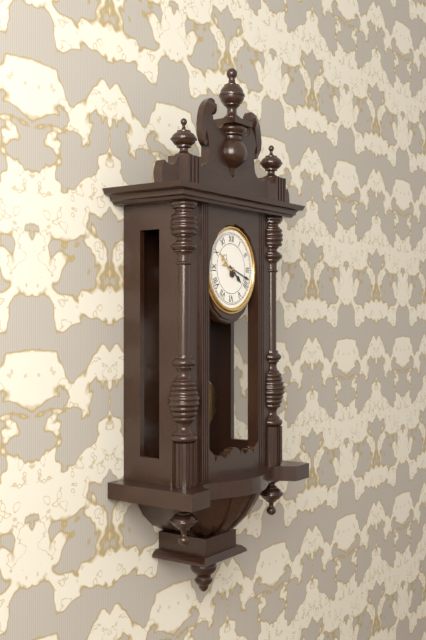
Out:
4.18
